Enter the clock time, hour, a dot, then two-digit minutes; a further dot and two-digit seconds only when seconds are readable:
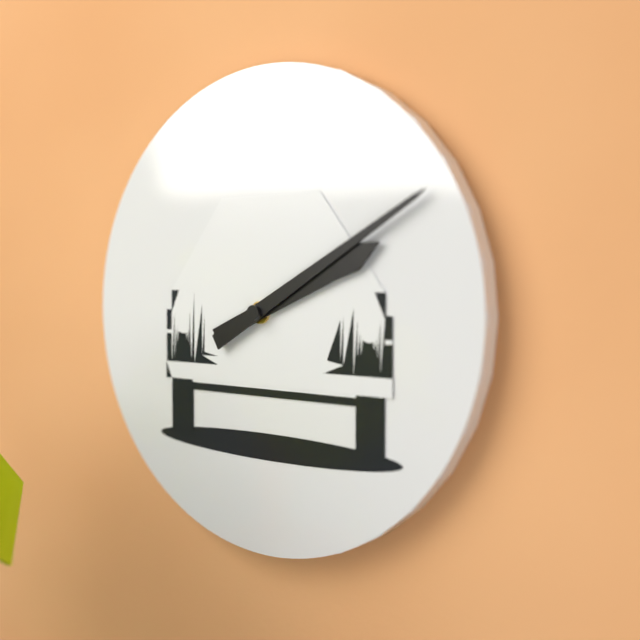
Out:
2.10
